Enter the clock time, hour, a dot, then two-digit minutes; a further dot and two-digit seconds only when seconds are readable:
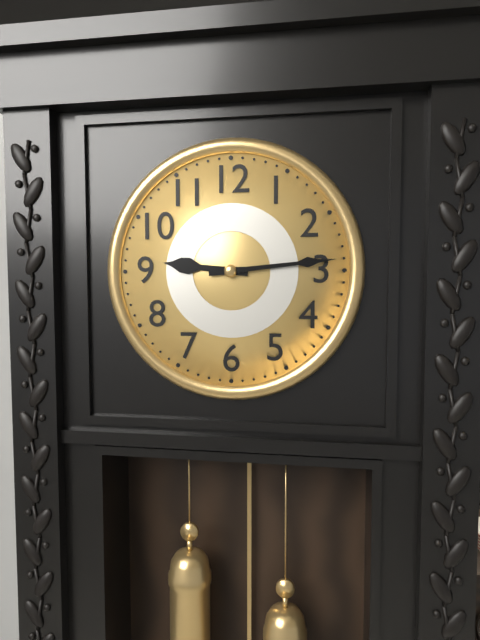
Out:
9.14
